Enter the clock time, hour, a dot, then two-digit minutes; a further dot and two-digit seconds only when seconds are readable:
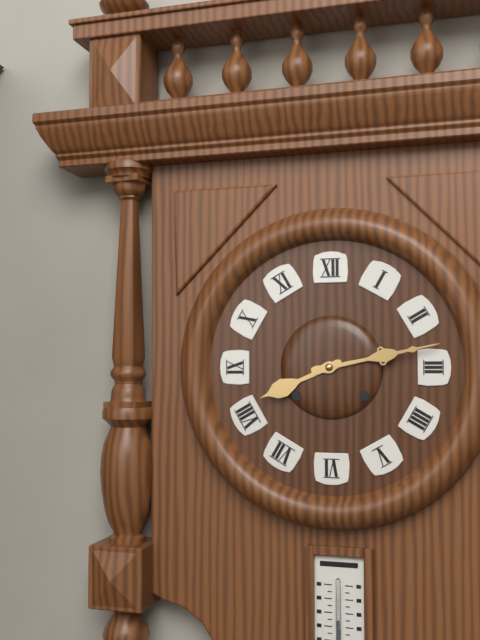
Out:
8.13
